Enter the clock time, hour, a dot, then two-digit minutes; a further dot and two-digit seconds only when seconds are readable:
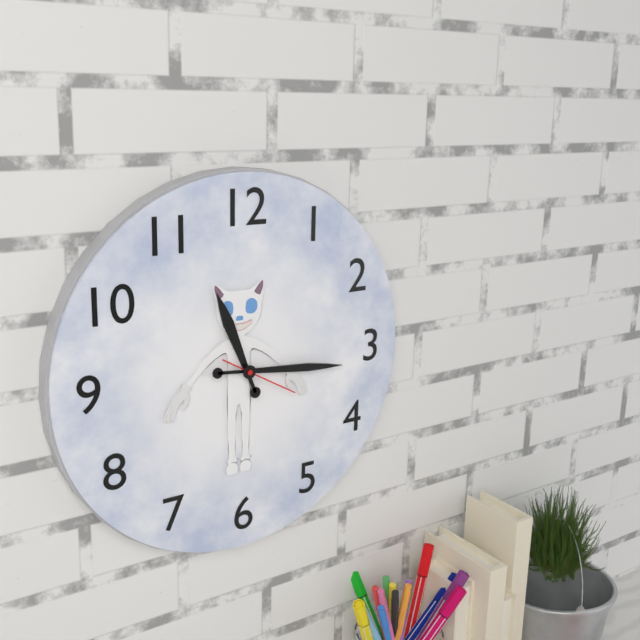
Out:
11.16.20
